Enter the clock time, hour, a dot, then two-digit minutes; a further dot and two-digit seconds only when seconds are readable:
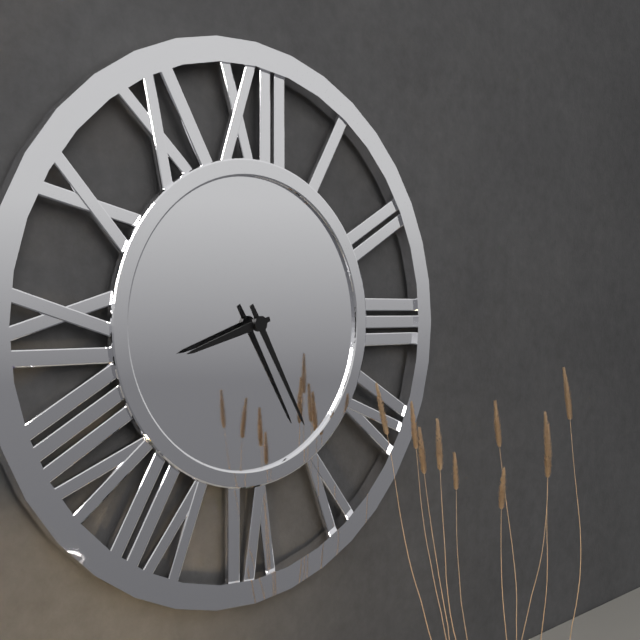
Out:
8.25
